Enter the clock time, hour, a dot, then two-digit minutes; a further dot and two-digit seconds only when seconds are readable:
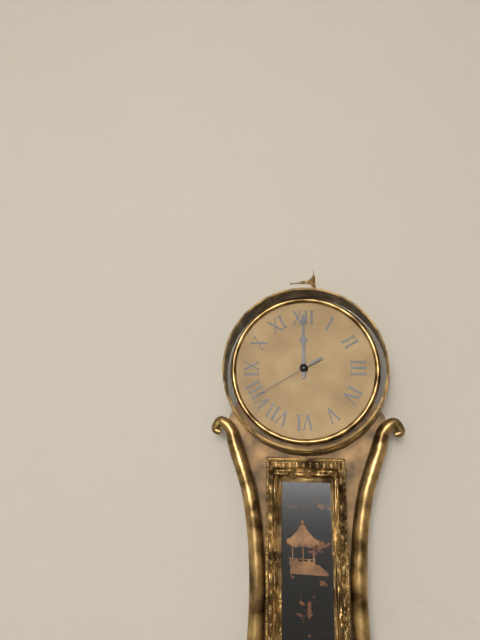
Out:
12.00.40
